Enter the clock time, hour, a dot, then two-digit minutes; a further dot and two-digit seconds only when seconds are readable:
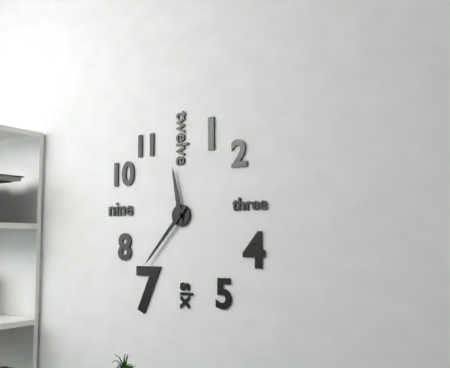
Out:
11.37
